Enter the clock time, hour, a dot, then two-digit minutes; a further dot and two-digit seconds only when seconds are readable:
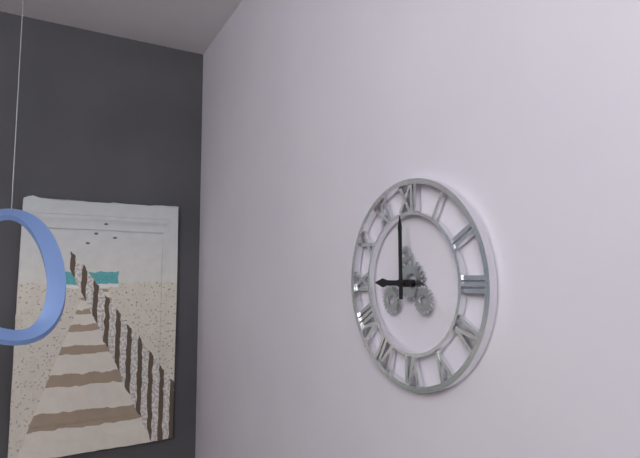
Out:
9.00
